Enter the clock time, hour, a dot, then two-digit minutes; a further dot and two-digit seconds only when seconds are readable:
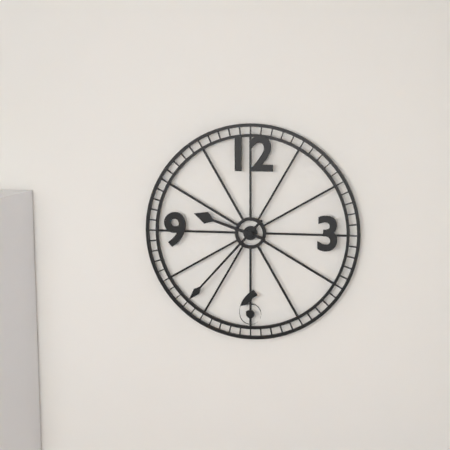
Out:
9.37
